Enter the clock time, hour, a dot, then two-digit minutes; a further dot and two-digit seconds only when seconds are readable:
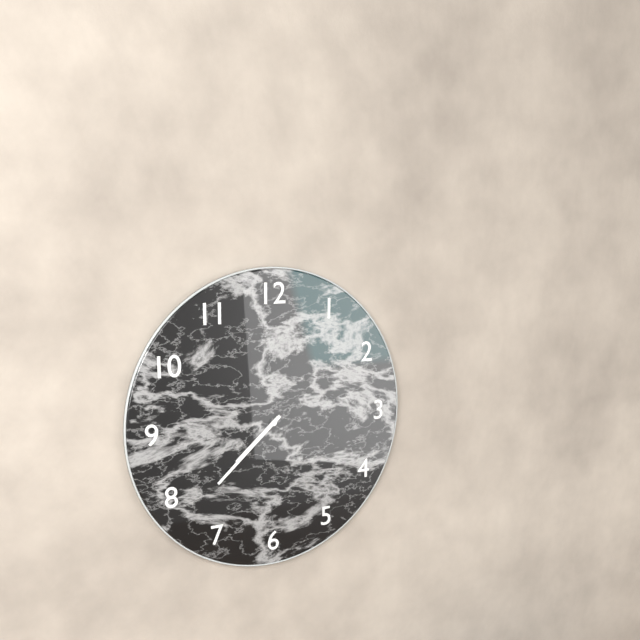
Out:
7.38
